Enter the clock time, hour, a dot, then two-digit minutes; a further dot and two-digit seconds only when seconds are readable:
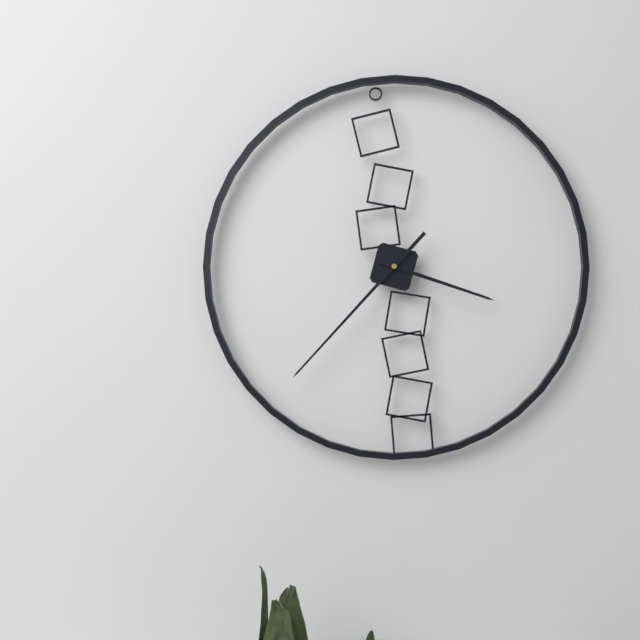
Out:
3.37
